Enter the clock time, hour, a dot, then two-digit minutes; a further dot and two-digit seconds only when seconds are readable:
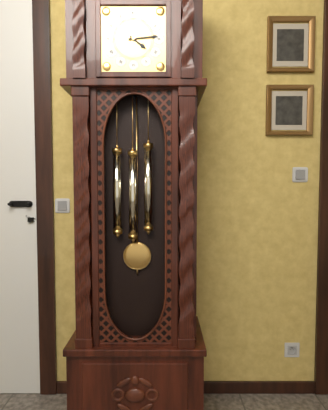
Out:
4.14
